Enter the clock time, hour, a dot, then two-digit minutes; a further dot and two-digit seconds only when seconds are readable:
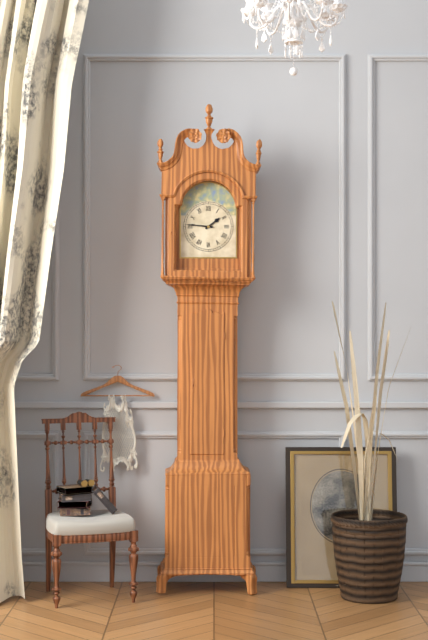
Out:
1.46
